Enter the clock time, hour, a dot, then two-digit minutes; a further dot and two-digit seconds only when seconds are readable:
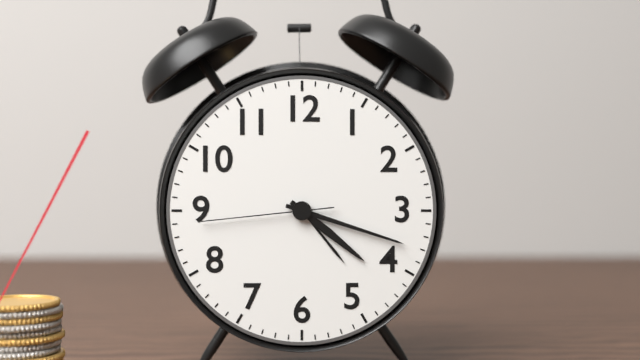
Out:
4.18.44
